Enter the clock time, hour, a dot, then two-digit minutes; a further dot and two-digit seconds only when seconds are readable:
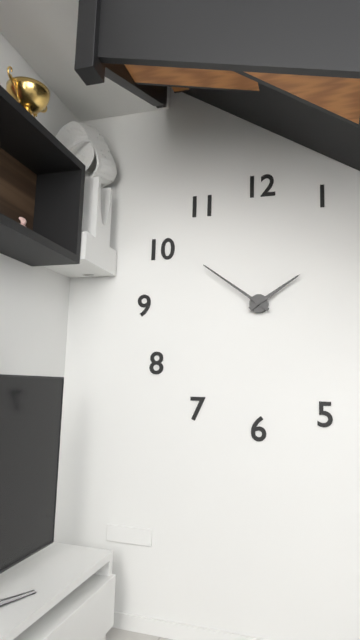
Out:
1.51
